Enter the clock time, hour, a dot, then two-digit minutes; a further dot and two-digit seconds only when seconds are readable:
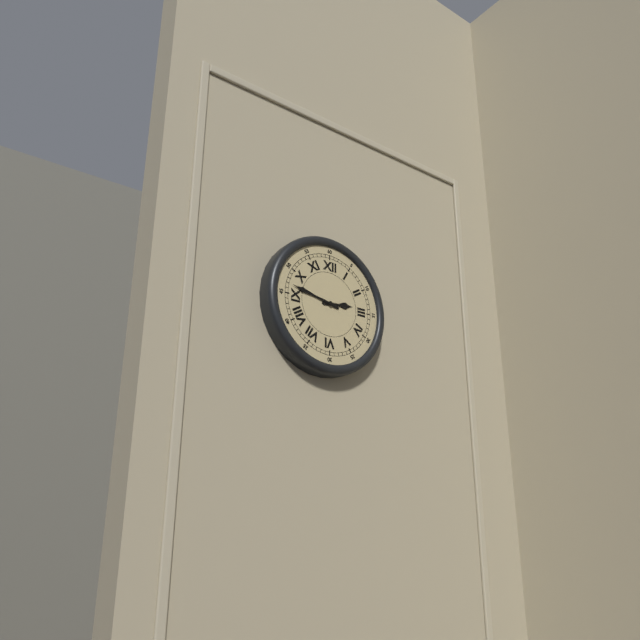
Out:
2.47
